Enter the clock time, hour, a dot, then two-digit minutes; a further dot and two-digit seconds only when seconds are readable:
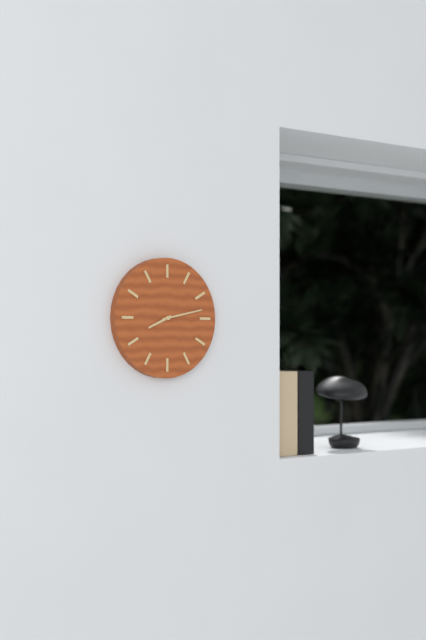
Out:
8.13
